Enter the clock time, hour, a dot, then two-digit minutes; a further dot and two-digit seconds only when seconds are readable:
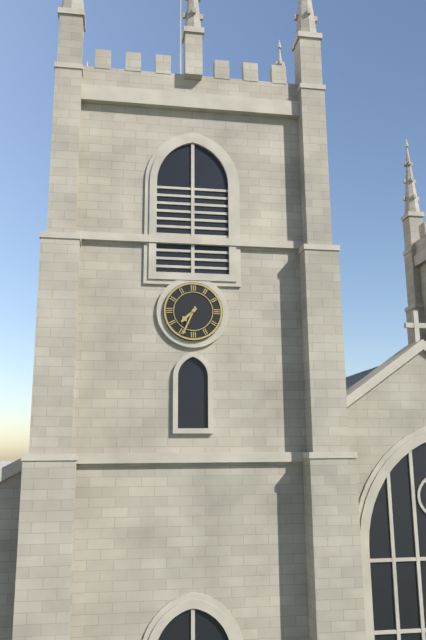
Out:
7.34
